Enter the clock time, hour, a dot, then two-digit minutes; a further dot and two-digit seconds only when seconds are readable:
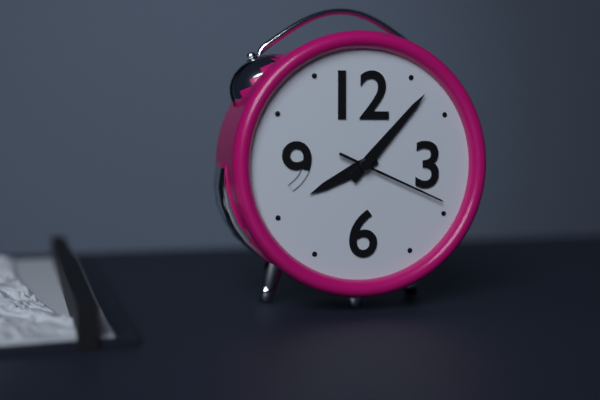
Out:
8.07.19
